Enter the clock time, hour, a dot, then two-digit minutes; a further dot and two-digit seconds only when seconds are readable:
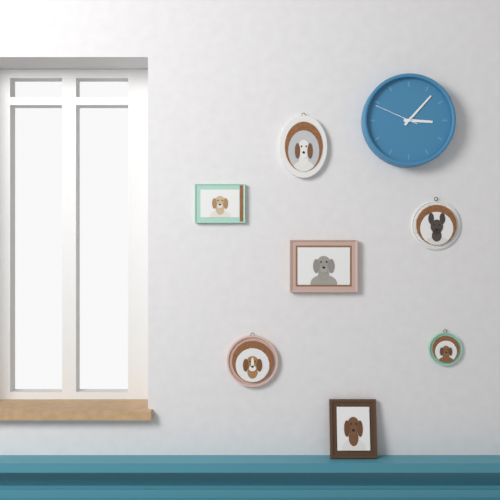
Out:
3.07
